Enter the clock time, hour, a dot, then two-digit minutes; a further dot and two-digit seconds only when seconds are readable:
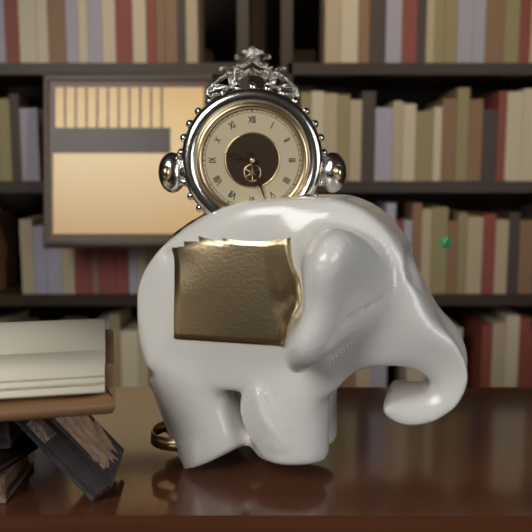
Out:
9.27
